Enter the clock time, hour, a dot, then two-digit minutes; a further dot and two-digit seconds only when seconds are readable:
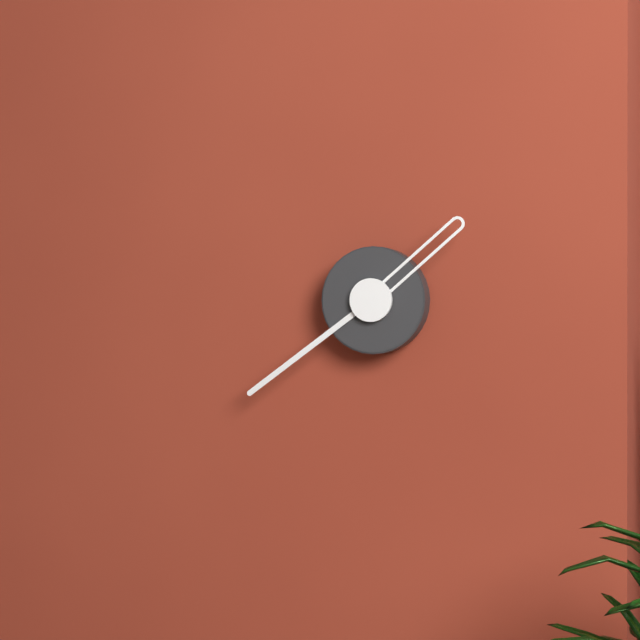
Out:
1.39
